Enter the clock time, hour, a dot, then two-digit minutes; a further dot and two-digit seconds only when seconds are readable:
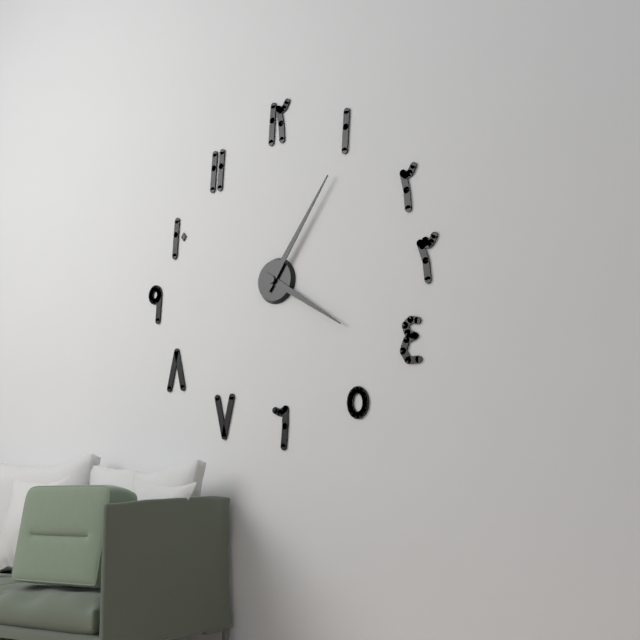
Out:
4.06
